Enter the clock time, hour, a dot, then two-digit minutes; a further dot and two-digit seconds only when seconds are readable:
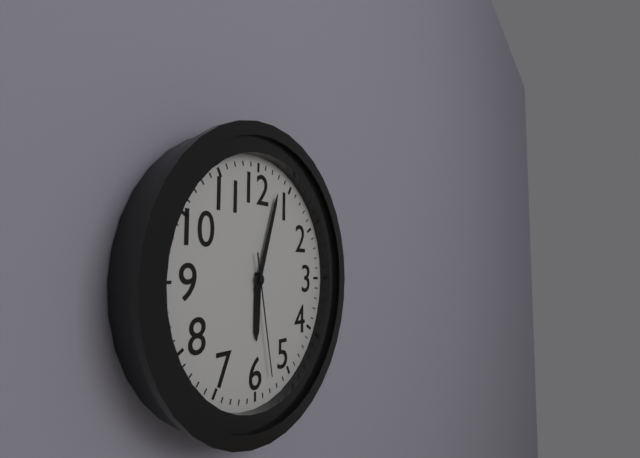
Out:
6.03.28
